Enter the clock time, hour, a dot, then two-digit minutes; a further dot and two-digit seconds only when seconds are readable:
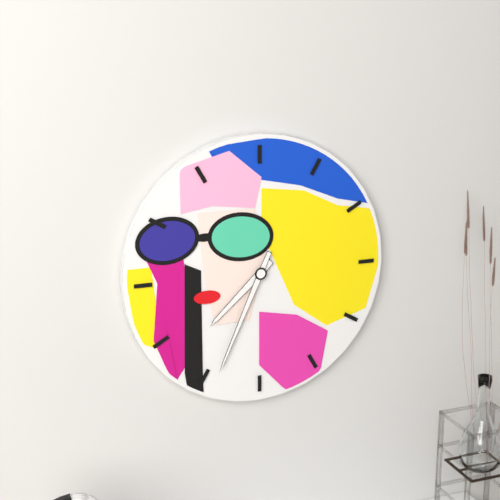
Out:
7.34
